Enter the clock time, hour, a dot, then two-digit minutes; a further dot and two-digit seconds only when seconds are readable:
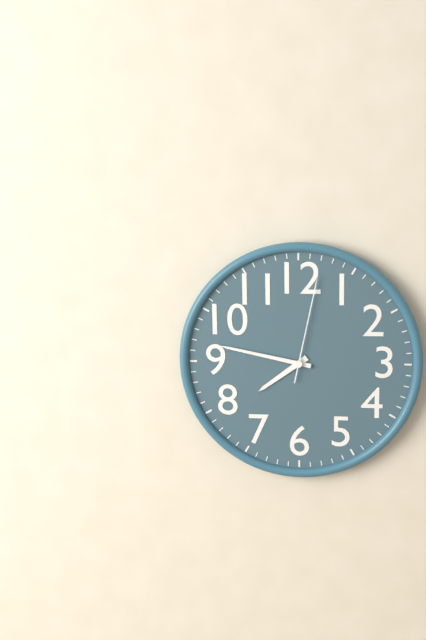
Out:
7.47.02
